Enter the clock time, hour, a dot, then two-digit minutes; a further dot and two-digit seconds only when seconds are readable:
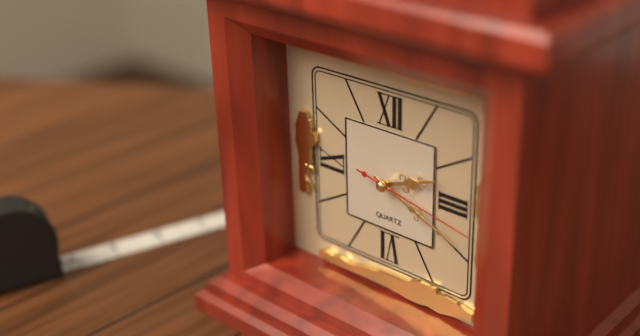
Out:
2.19.17
